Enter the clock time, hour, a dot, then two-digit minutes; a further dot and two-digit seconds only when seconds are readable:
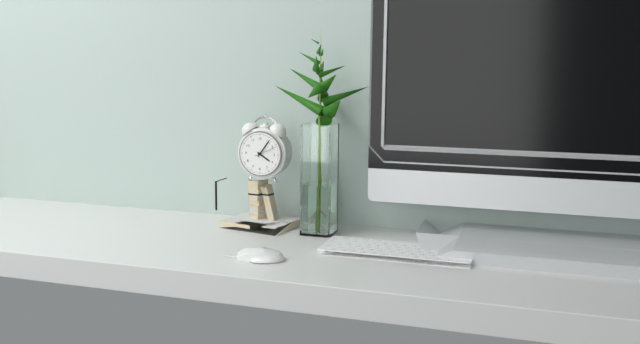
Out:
4.06
